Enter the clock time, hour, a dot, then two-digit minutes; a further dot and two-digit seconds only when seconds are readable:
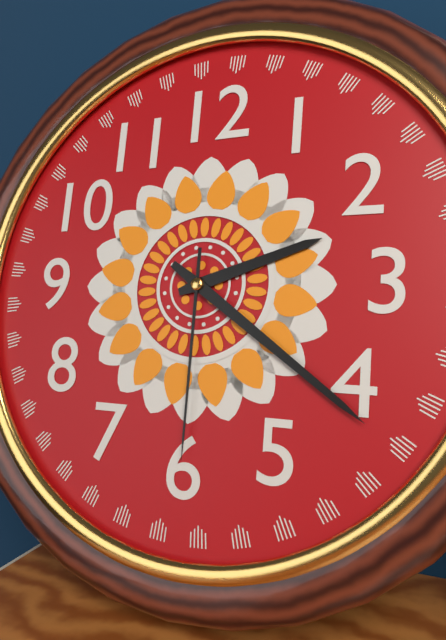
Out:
2.21.30
